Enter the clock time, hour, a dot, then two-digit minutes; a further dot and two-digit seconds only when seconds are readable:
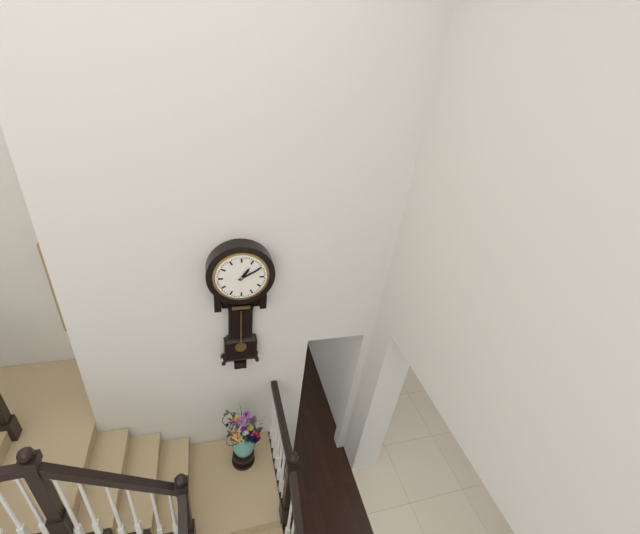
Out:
1.10
